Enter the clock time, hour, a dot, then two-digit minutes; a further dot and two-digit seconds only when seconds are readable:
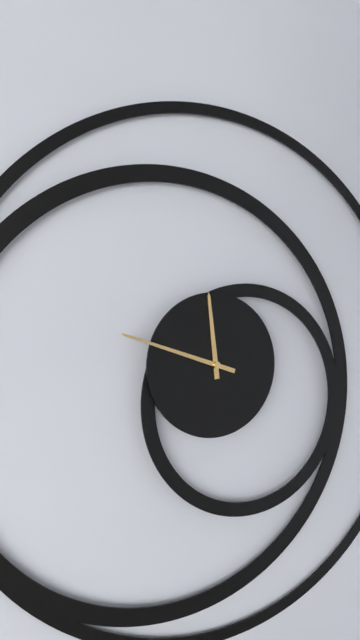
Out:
11.48
